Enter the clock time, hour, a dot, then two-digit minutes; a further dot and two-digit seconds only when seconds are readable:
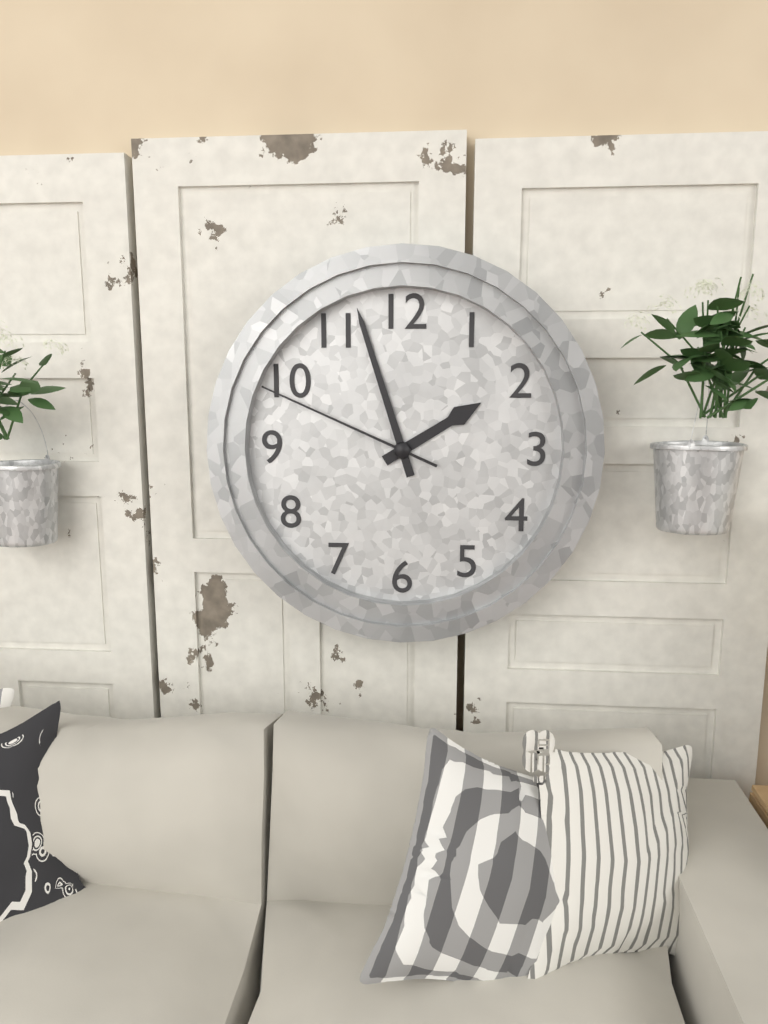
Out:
1.57.49
